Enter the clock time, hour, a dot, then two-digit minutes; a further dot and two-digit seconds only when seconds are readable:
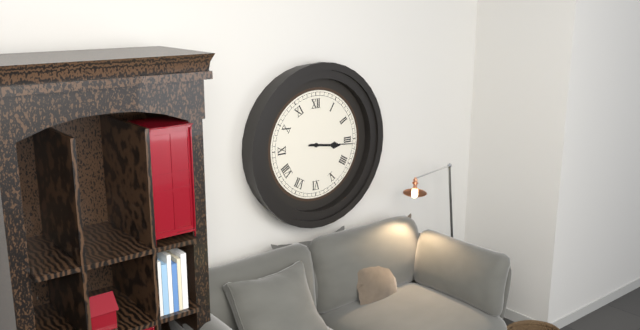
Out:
3.16
